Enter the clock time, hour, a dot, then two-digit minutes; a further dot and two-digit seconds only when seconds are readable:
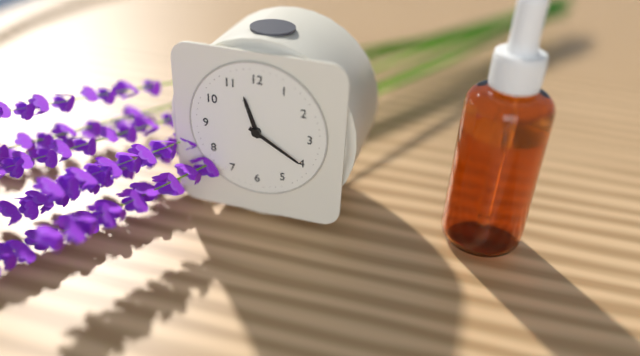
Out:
11.20
